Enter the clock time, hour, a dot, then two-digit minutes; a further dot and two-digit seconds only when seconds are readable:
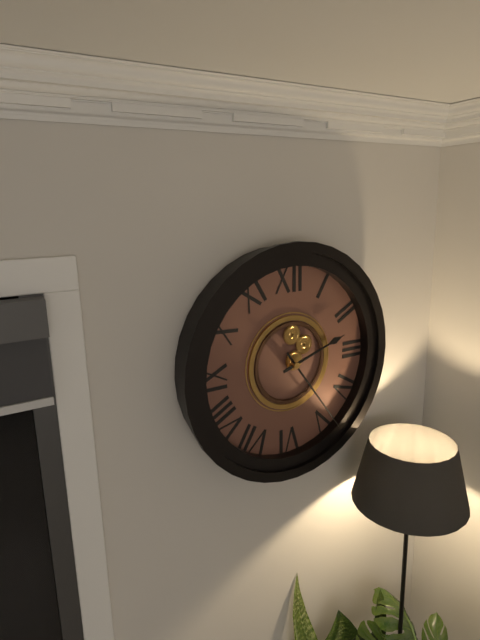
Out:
2.24
